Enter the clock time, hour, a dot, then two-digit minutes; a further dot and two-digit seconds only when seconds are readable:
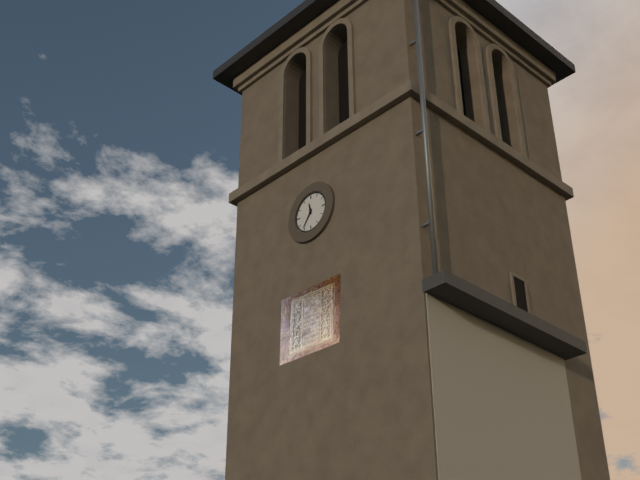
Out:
11.36
